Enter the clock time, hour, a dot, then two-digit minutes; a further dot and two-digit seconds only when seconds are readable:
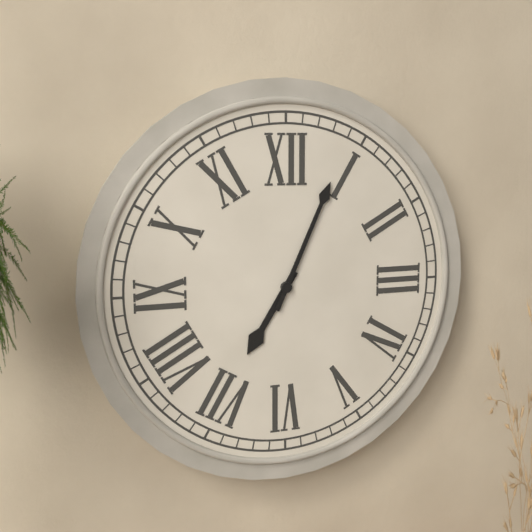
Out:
7.04
